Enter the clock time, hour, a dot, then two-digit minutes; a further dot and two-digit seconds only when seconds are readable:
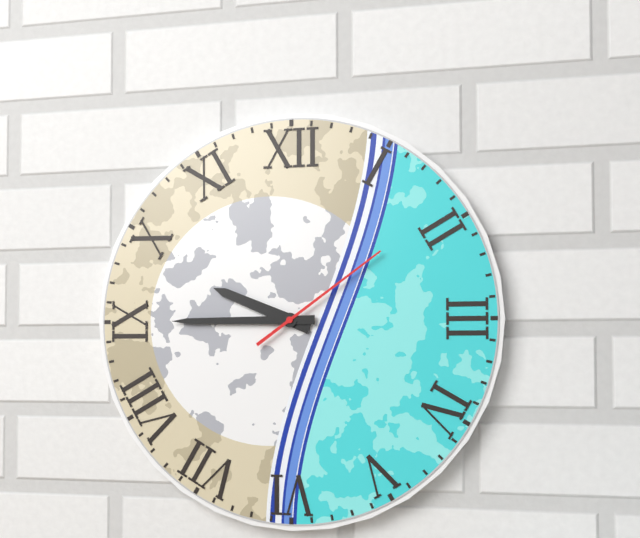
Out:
9.45.09
